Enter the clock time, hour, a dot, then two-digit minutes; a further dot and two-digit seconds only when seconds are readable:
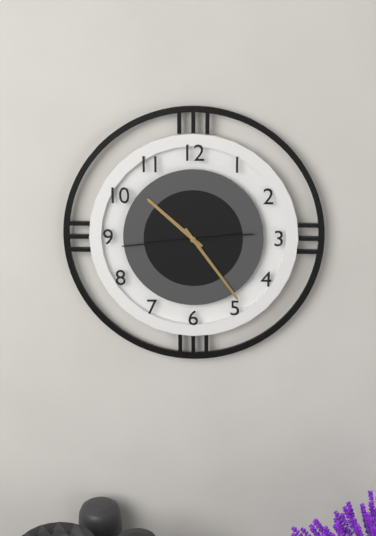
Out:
10.24.44
